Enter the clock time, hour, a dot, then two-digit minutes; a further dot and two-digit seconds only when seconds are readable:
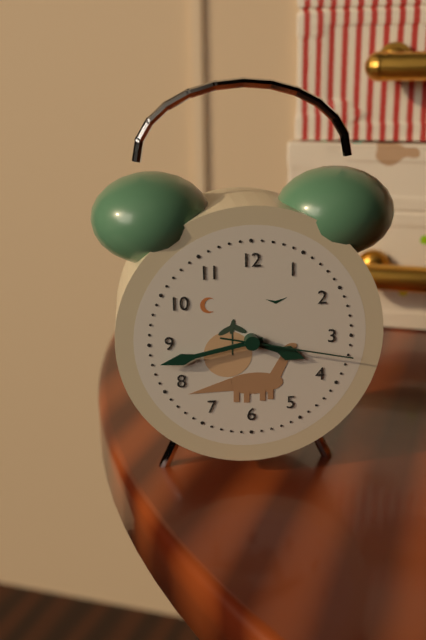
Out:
3.43.17
